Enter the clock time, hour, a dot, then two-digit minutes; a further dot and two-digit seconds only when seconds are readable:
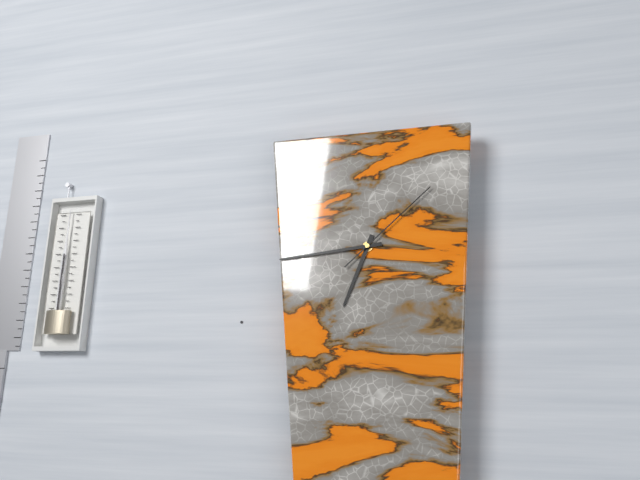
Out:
6.44.08
